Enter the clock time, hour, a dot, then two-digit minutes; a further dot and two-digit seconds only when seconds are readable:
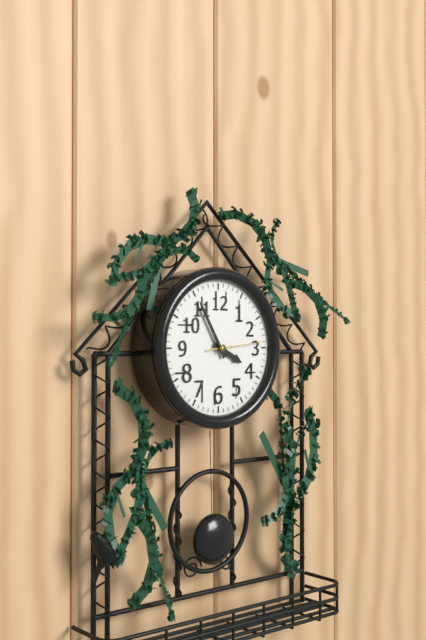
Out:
3.55.14
